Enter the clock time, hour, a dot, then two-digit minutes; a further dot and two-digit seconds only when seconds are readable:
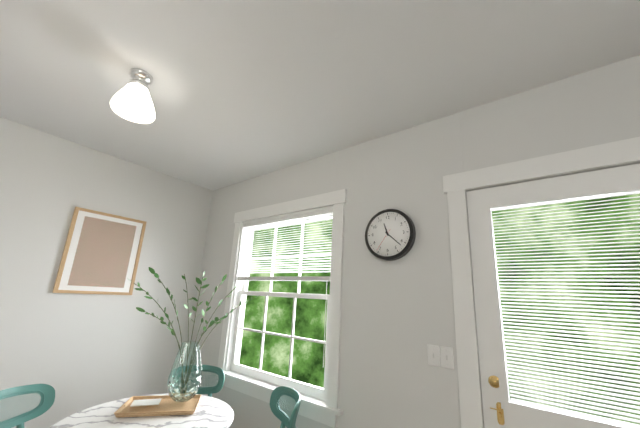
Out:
11.22
